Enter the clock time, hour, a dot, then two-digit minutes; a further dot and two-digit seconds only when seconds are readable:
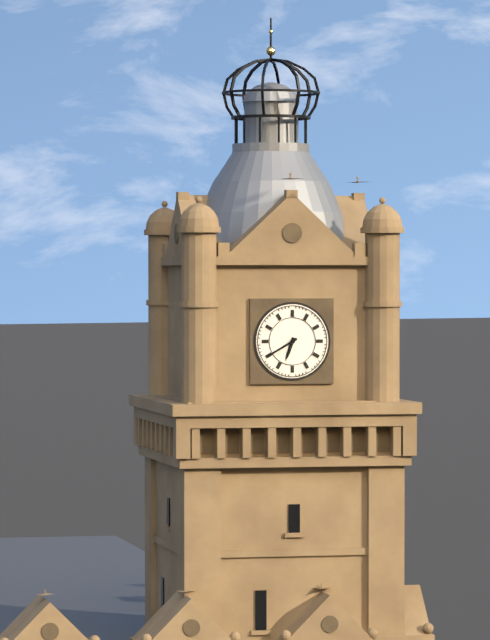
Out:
6.40
